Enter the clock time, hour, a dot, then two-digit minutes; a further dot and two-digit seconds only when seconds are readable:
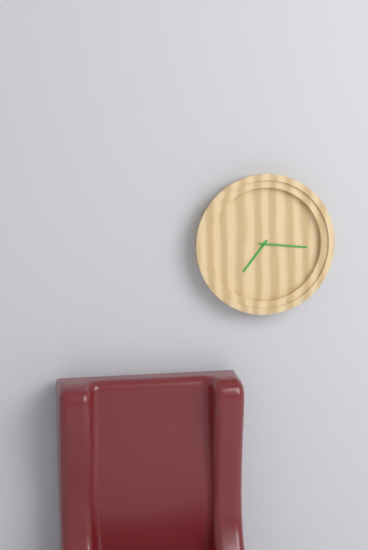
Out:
7.16
